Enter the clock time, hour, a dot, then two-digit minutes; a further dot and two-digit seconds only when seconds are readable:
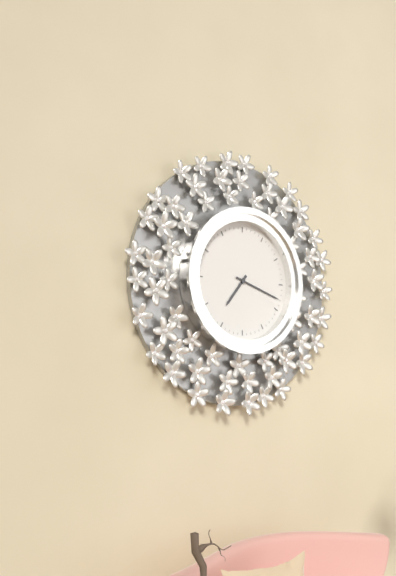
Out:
7.18
